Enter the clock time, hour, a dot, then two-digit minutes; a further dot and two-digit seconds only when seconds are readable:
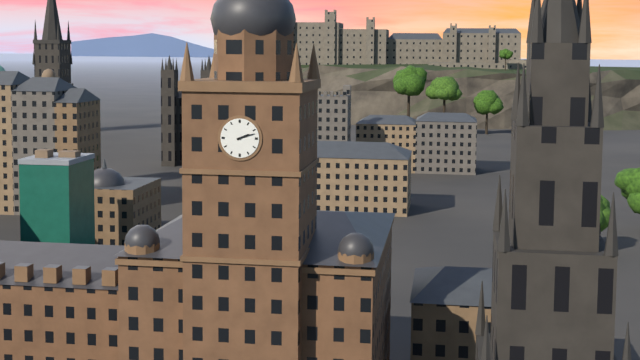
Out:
2.12
